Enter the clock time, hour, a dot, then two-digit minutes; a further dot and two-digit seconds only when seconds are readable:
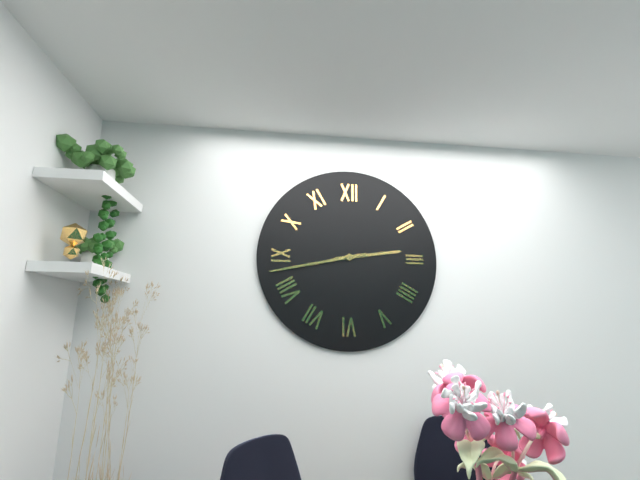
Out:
2.43
